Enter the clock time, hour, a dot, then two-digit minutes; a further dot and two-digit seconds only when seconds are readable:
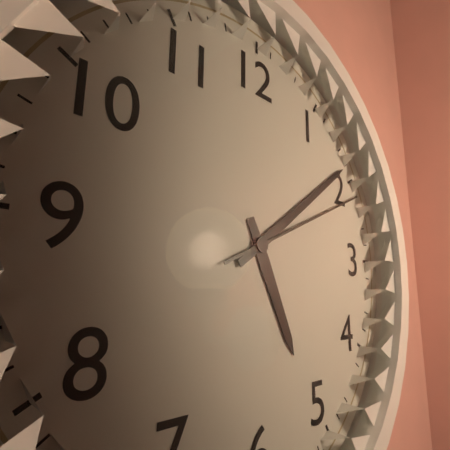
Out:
5.09.11
